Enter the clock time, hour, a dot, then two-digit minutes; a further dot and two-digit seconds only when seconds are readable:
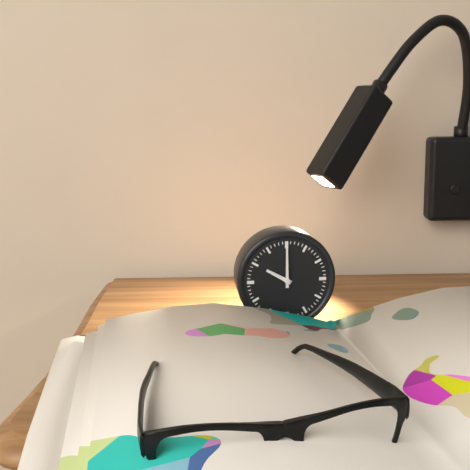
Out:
10.00
